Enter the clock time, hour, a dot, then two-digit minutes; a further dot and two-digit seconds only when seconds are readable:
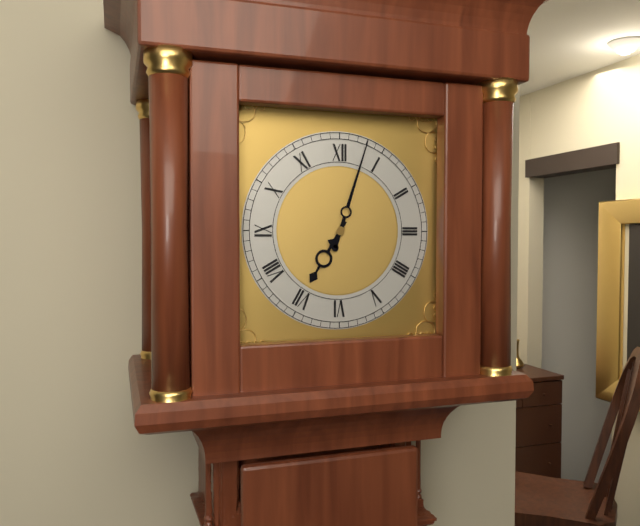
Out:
7.03
